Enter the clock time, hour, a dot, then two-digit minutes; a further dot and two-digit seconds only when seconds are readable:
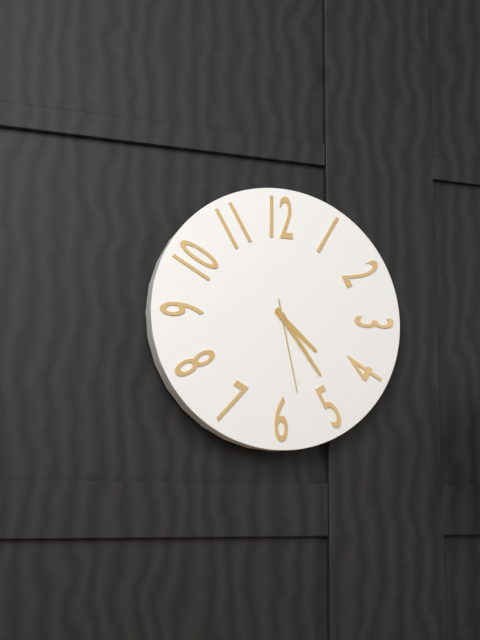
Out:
4.24.28
